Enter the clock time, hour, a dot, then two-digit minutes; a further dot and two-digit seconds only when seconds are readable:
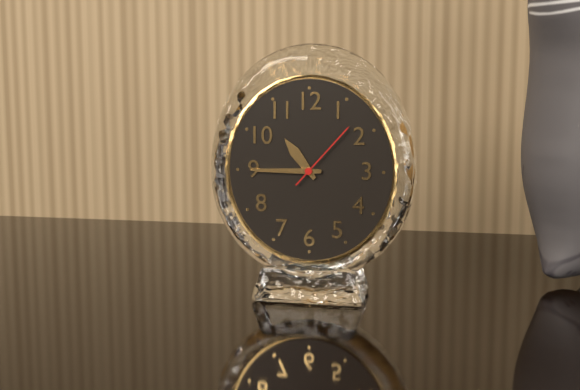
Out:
10.45.07
